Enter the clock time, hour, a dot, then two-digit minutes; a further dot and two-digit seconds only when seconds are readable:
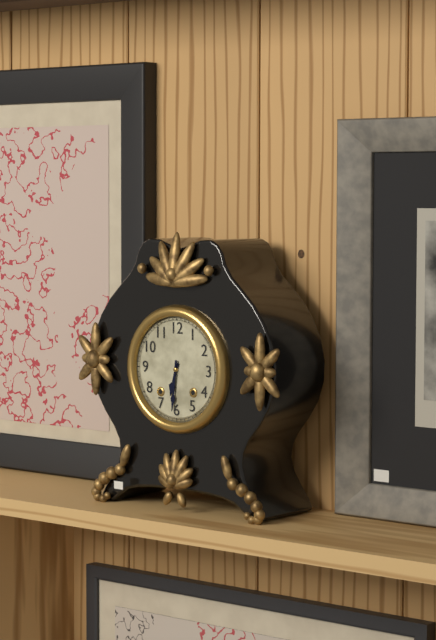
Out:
6.31
